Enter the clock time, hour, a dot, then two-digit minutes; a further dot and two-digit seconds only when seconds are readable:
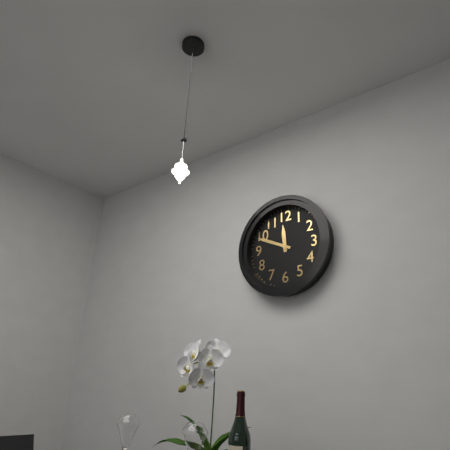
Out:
11.49
